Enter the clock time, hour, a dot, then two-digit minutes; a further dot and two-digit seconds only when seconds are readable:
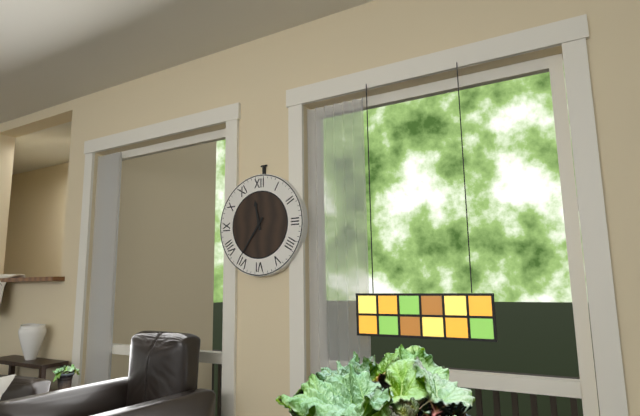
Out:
11.36
